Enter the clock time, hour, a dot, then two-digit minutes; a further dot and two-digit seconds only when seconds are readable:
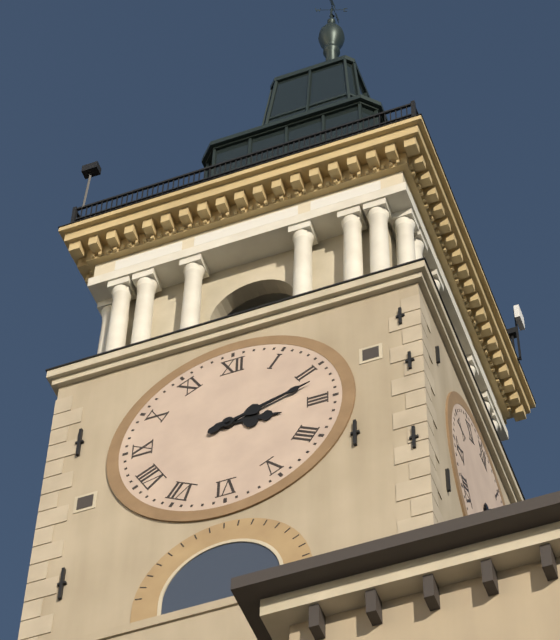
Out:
3.12
